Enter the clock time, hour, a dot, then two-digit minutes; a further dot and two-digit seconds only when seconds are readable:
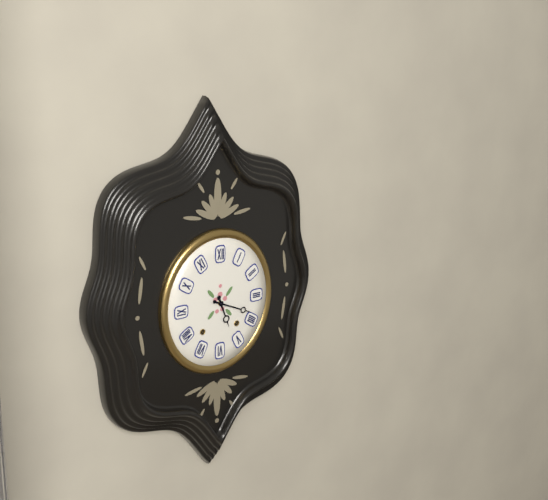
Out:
5.19
